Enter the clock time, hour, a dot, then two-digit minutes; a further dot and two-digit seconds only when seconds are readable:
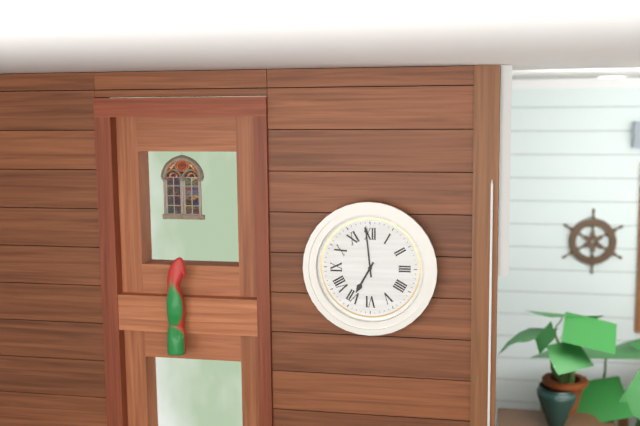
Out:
6.59
